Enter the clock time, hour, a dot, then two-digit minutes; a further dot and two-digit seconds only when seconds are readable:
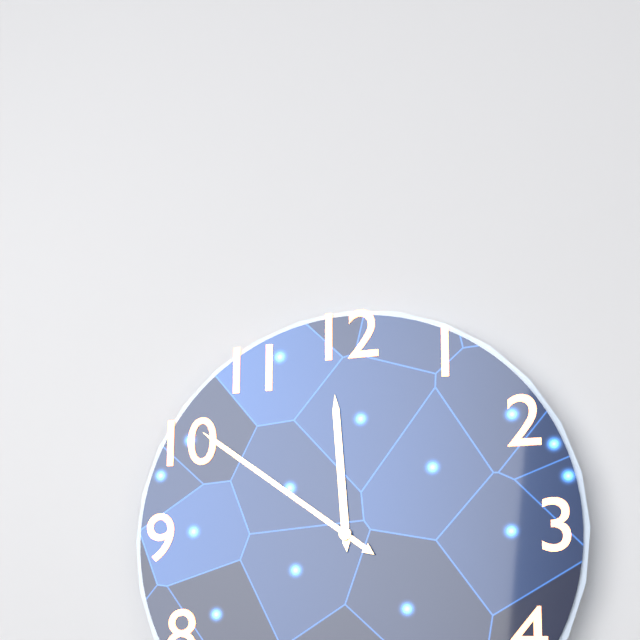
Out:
11.51
